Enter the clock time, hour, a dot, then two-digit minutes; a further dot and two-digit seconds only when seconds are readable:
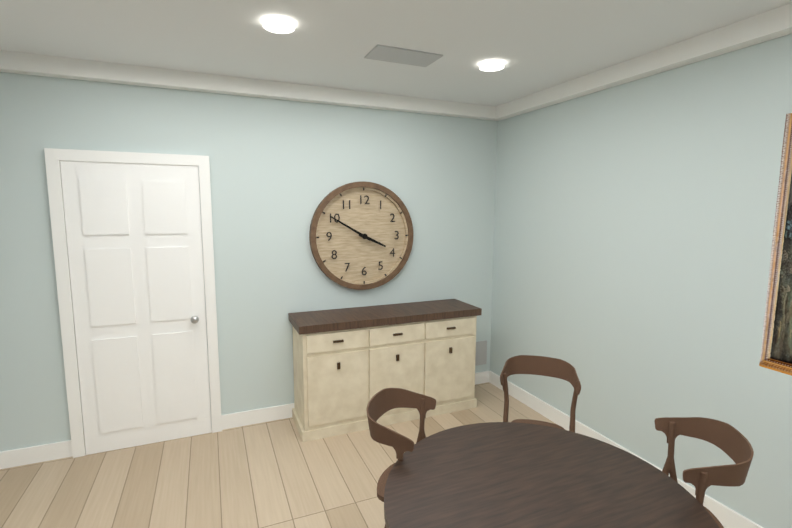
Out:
3.50
